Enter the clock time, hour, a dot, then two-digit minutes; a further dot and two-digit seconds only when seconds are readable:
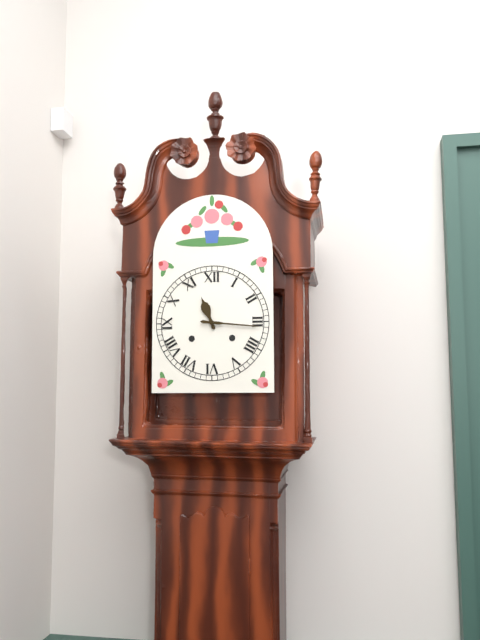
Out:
11.16
